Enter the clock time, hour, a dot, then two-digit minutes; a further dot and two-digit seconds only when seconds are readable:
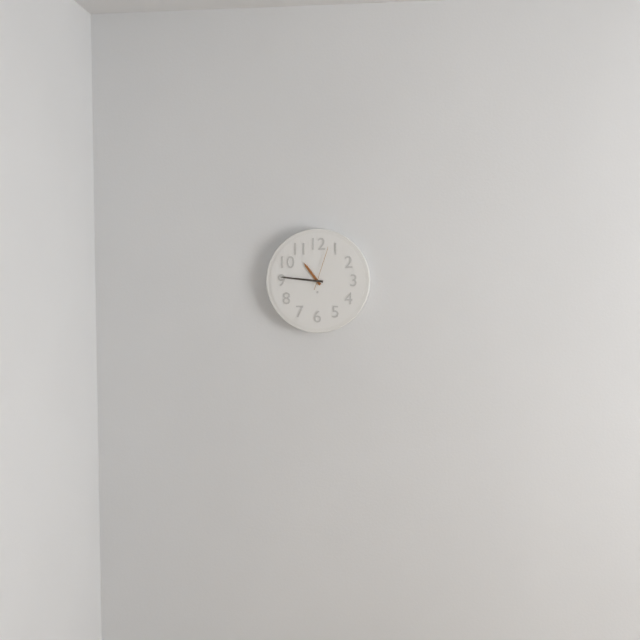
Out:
10.46
